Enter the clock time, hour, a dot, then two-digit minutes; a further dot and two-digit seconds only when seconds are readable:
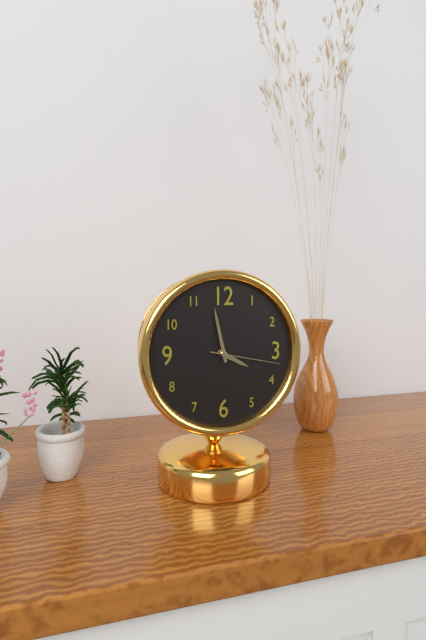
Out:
3.58.17
